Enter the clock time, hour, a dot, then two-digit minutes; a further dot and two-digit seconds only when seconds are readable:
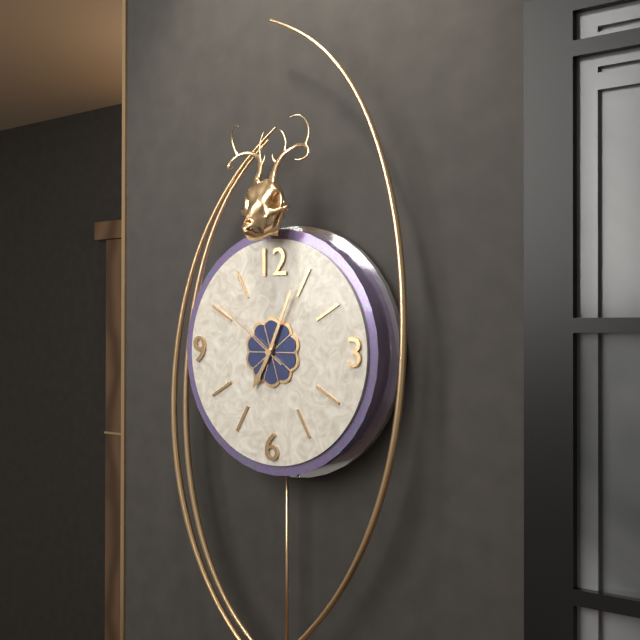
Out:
7.04.51
